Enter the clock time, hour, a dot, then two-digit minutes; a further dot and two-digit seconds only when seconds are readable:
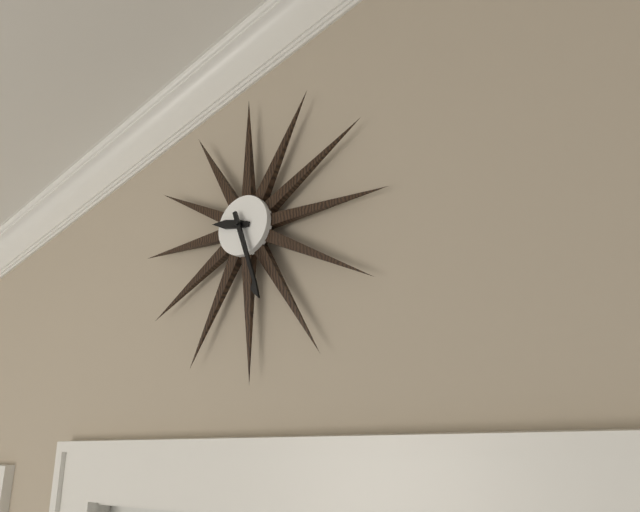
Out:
9.27
